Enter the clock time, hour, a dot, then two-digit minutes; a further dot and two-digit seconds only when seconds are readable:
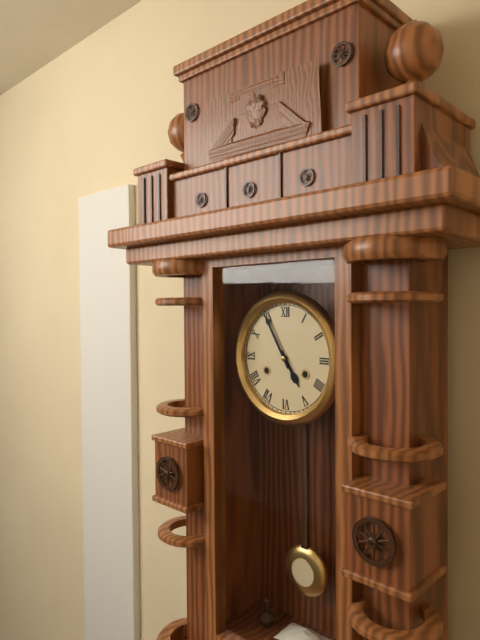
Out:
4.55
